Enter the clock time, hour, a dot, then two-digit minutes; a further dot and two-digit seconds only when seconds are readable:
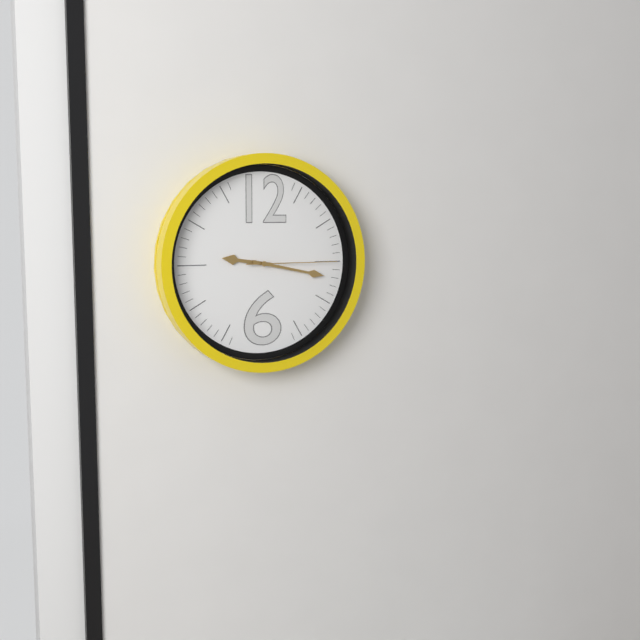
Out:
9.17.15
